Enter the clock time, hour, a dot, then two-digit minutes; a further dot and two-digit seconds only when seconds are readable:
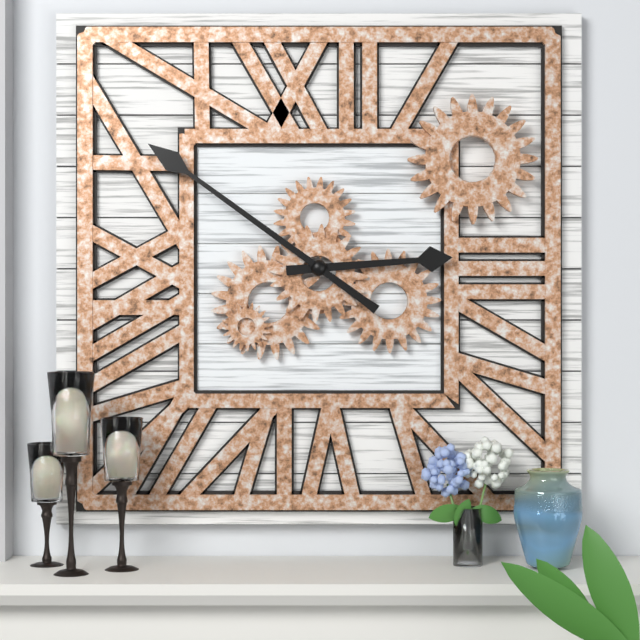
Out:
2.51
